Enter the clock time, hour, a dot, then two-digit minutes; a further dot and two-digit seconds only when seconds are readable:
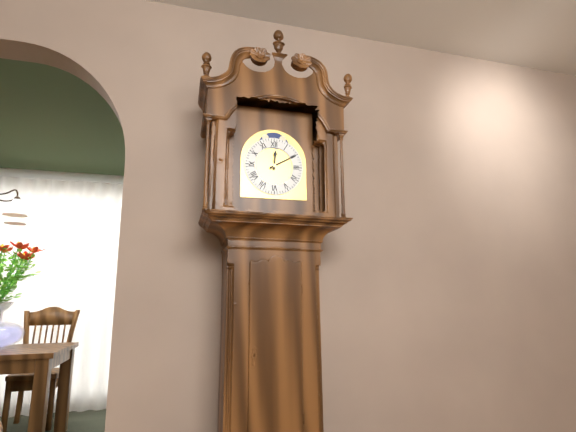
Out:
12.10
